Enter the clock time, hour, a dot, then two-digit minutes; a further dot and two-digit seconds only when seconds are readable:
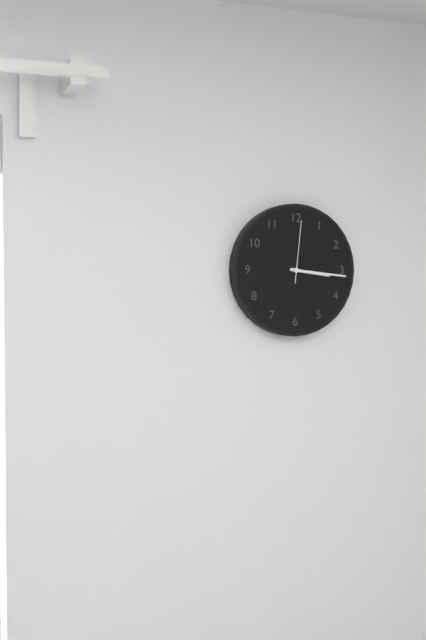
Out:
3.16.01
